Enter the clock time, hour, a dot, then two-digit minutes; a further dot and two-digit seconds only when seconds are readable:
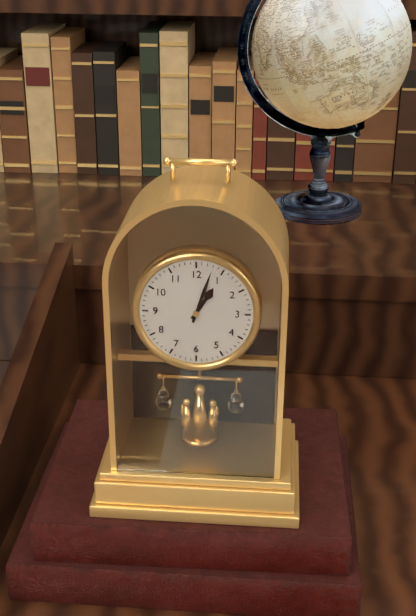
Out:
1.03
